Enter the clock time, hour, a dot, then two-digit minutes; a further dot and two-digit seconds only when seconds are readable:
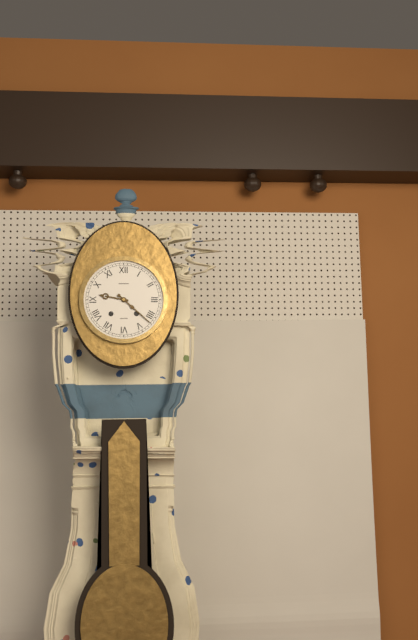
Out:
9.22
